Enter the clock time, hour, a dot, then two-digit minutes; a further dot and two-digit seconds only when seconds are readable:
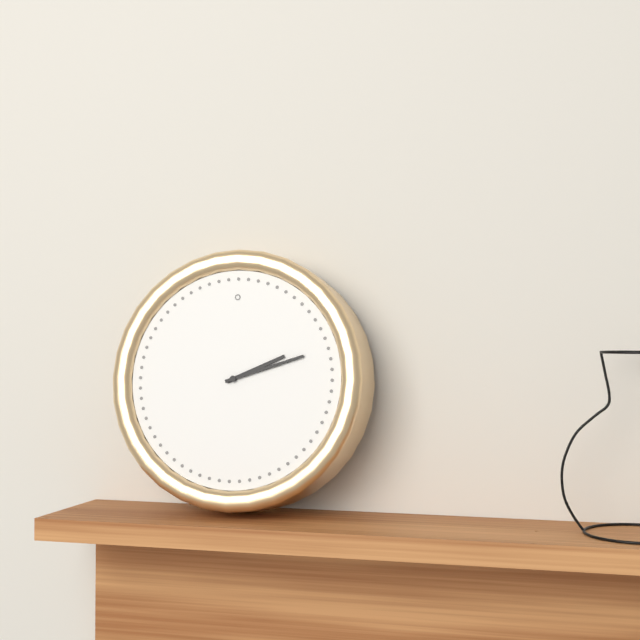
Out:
2.12
